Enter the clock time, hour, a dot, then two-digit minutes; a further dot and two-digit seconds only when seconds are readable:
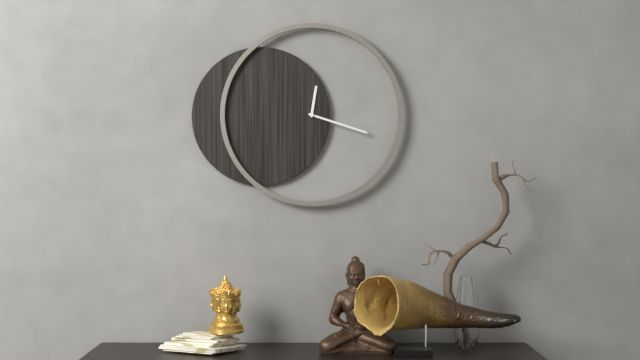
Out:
12.18
